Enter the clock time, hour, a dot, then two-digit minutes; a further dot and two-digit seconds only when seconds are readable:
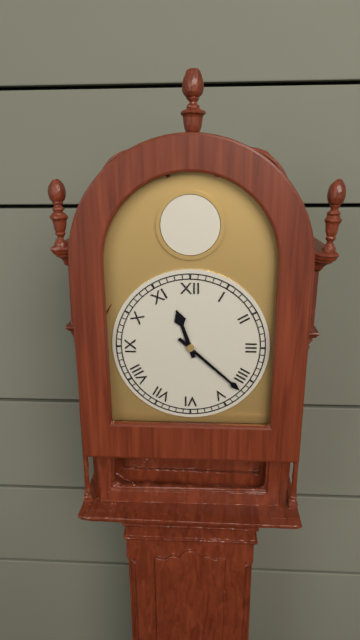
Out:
11.22
